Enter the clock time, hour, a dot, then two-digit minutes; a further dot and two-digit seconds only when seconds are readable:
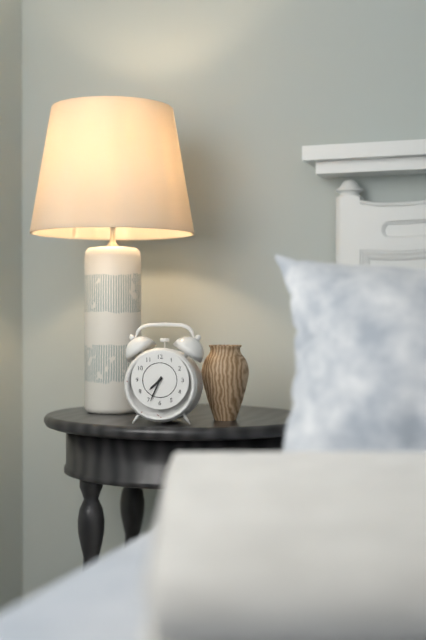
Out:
7.34
